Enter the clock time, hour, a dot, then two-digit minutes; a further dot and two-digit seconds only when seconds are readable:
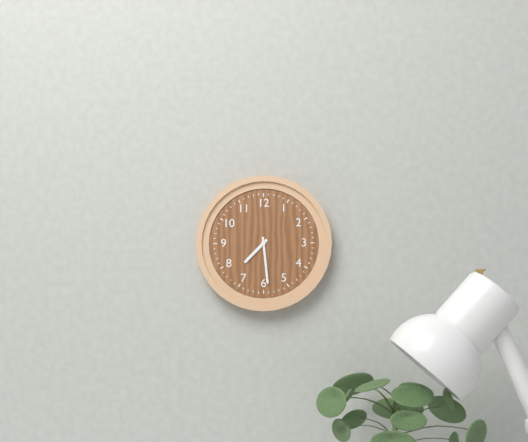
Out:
7.29
